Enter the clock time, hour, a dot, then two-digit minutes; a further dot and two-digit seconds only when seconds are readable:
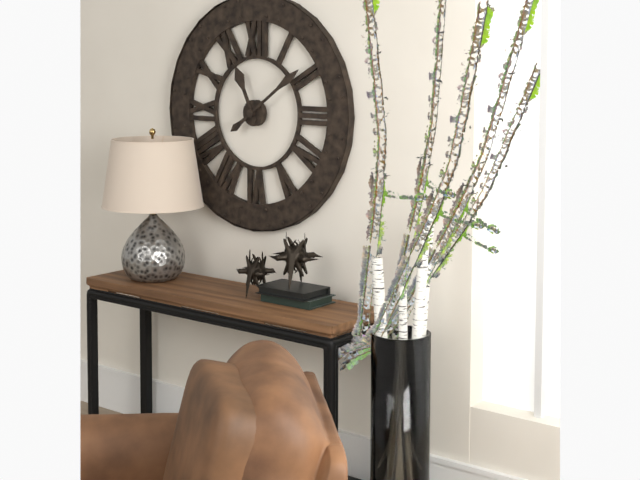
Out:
11.09
